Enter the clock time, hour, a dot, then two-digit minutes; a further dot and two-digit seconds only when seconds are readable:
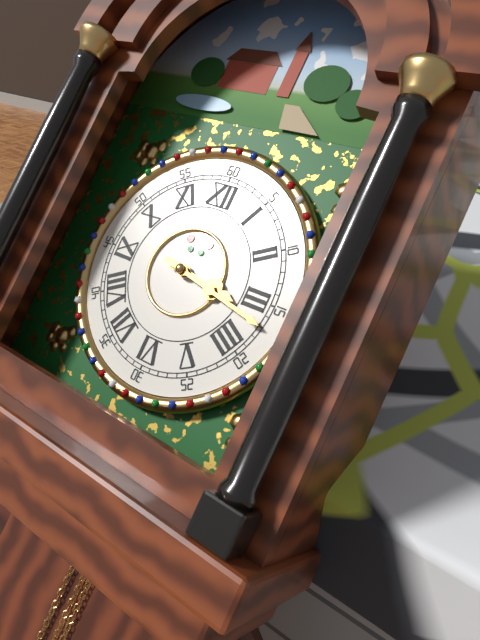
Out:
3.17
